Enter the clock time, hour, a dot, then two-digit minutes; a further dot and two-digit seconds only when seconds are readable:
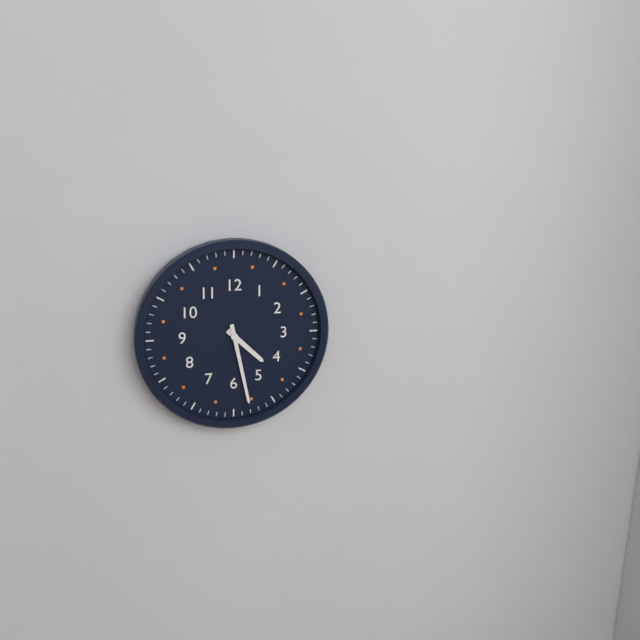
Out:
4.28
